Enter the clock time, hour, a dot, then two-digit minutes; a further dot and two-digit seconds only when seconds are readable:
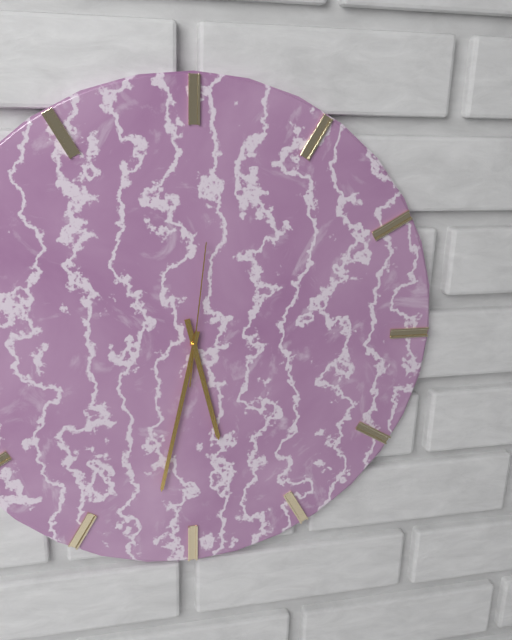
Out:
5.32.01
